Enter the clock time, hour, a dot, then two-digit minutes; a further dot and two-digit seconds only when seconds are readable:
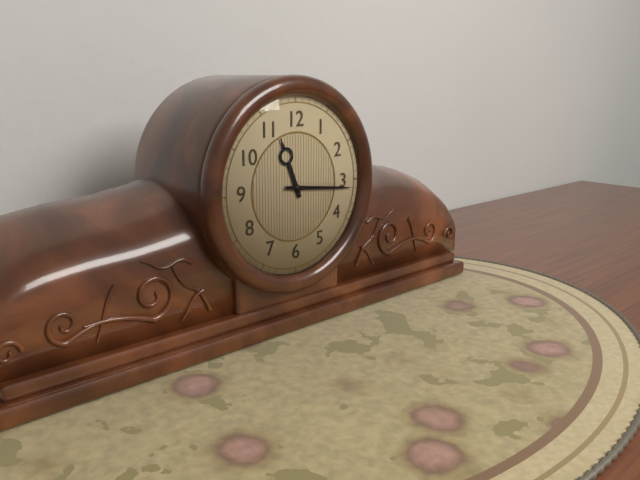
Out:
11.16
